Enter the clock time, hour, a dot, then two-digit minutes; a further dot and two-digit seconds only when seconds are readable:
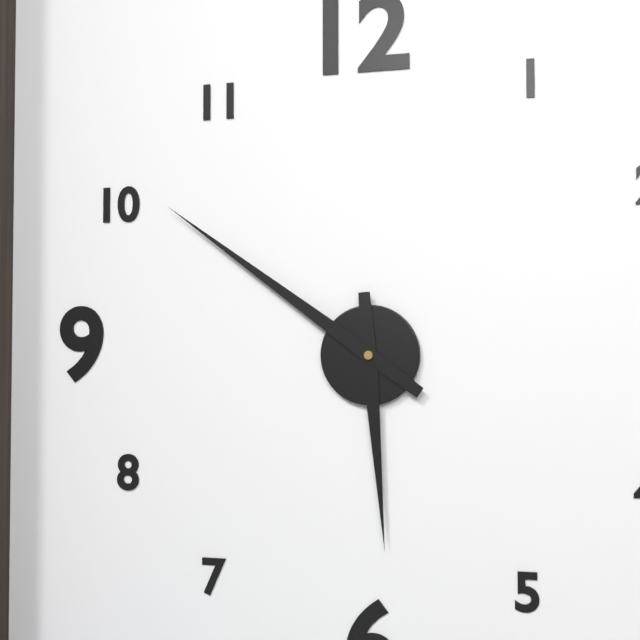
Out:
5.51
